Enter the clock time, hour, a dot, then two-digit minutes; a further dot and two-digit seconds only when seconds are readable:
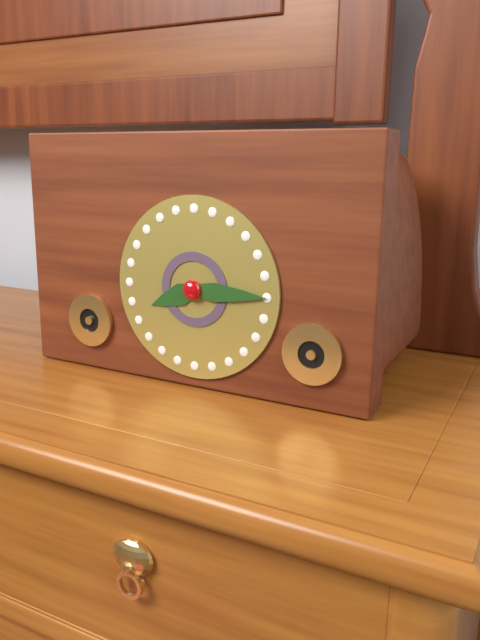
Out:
8.15
